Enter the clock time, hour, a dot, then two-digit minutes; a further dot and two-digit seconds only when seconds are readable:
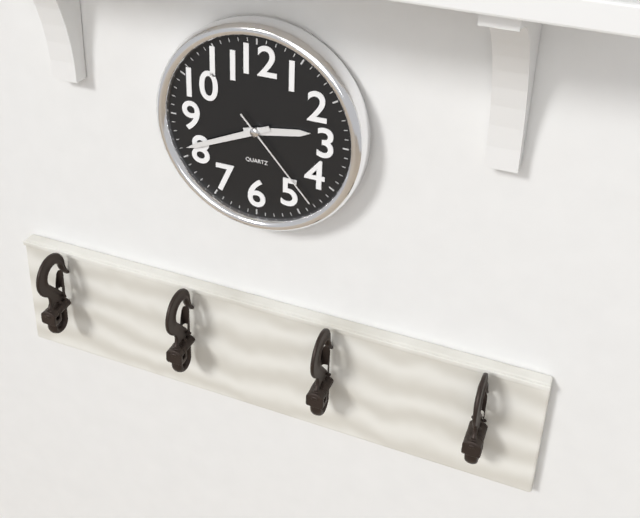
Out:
2.41.23
